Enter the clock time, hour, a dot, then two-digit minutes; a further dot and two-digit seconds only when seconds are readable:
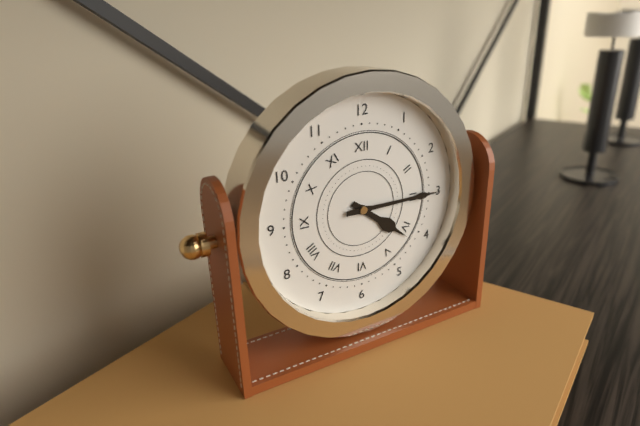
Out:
4.15
